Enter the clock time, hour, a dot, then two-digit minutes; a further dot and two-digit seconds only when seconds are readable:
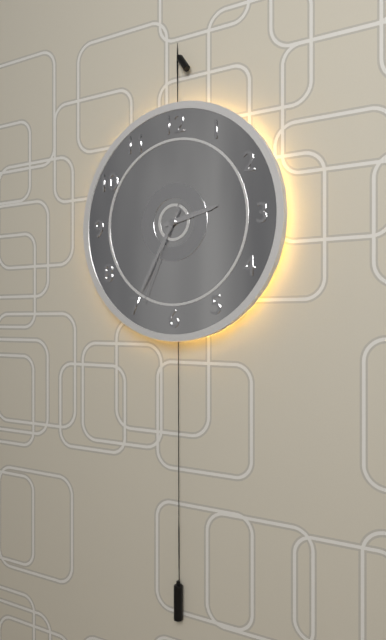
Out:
2.35.34
